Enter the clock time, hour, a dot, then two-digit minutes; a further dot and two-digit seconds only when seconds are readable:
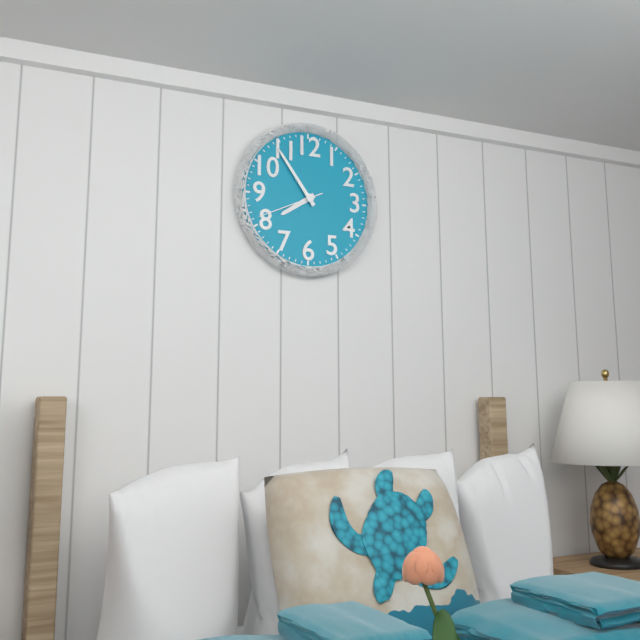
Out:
7.54.41
